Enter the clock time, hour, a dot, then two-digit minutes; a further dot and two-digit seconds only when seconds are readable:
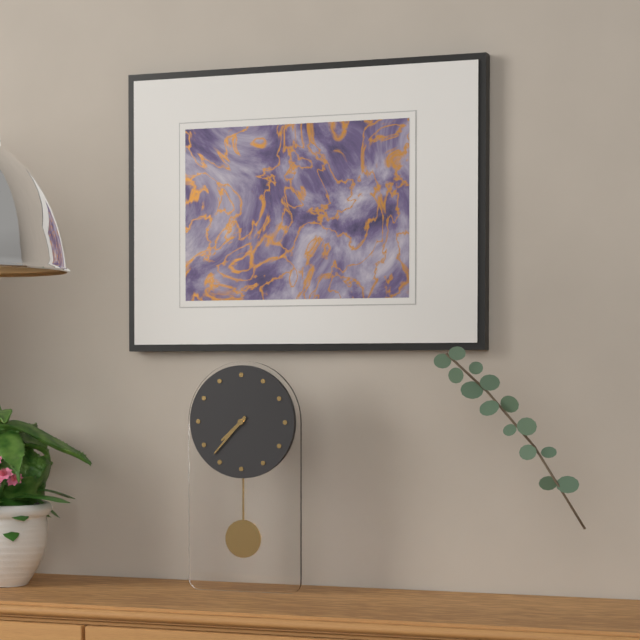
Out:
7.37
